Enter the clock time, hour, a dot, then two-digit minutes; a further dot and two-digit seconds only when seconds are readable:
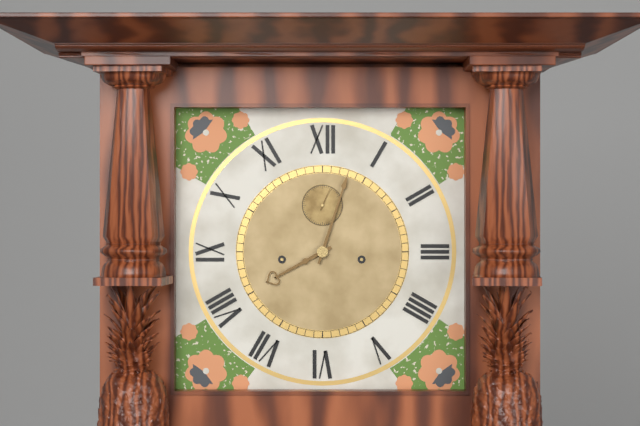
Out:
8.03
